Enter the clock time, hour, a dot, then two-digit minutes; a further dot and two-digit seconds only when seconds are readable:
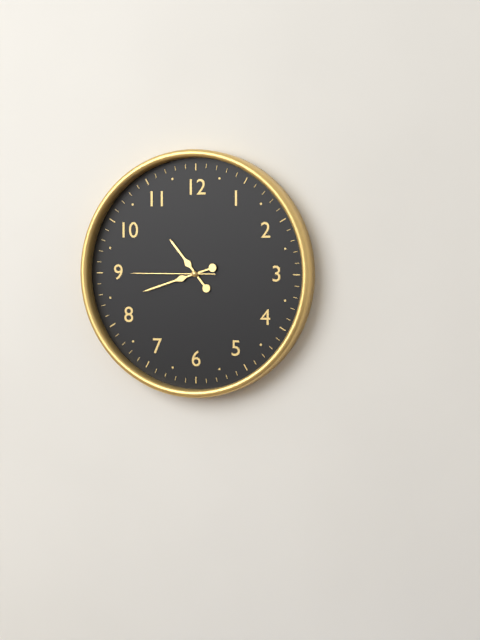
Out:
10.42.45
